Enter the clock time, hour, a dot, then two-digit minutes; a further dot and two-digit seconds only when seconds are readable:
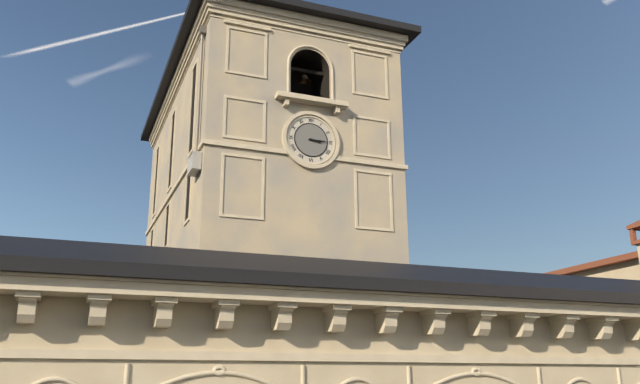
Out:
3.15
